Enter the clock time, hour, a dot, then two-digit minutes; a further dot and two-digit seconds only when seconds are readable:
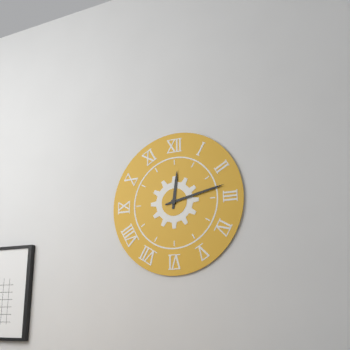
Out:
12.13
